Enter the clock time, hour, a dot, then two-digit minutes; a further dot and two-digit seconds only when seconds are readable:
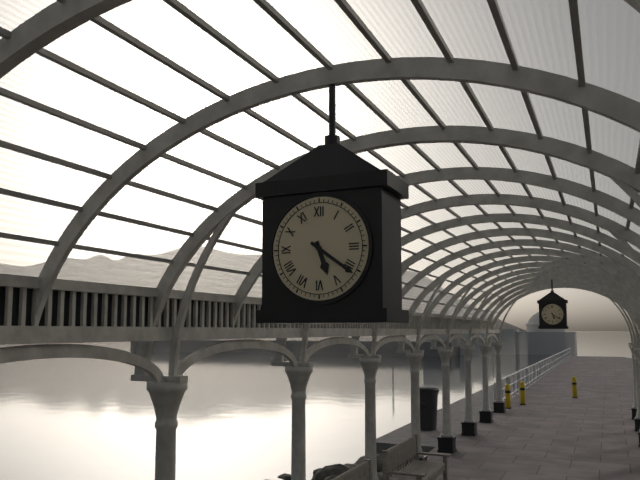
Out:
5.21
